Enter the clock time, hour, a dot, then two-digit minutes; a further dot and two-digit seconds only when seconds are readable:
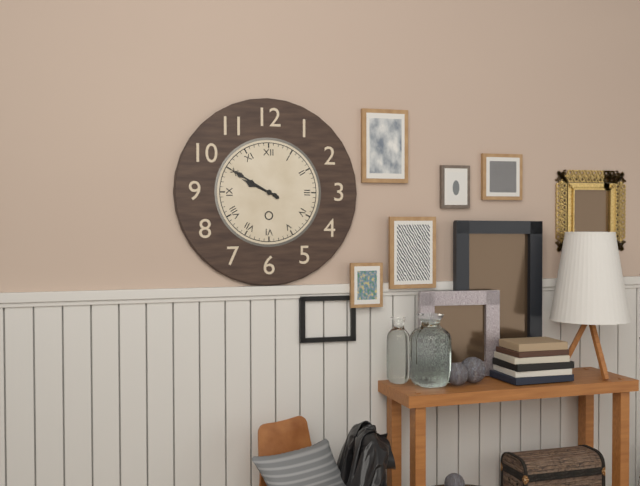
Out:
9.50
